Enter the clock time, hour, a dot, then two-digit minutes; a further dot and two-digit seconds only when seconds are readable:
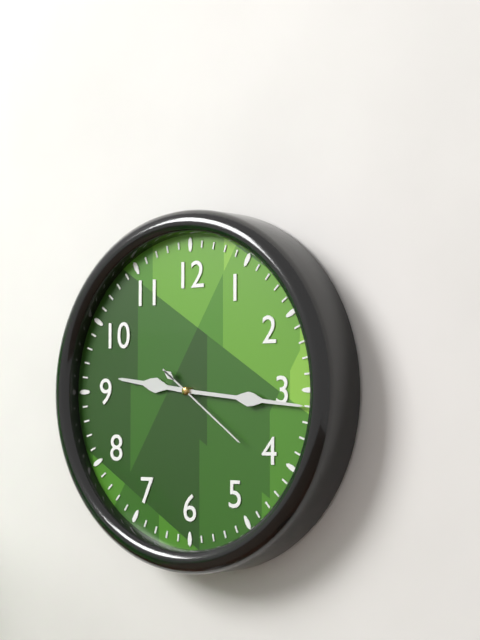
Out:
9.16.21
